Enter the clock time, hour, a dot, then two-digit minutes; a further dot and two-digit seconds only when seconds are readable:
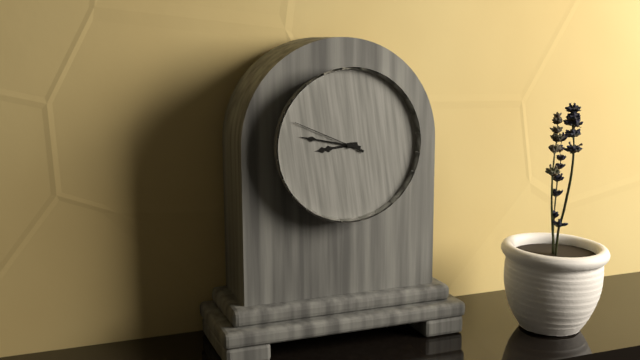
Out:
8.47.49
